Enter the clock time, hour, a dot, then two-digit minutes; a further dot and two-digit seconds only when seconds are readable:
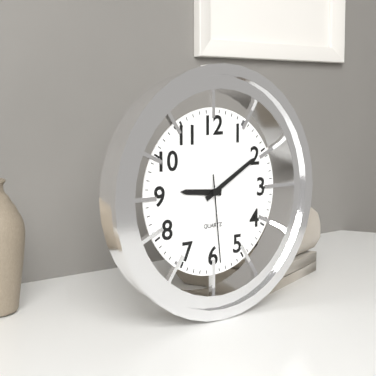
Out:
9.10.29
